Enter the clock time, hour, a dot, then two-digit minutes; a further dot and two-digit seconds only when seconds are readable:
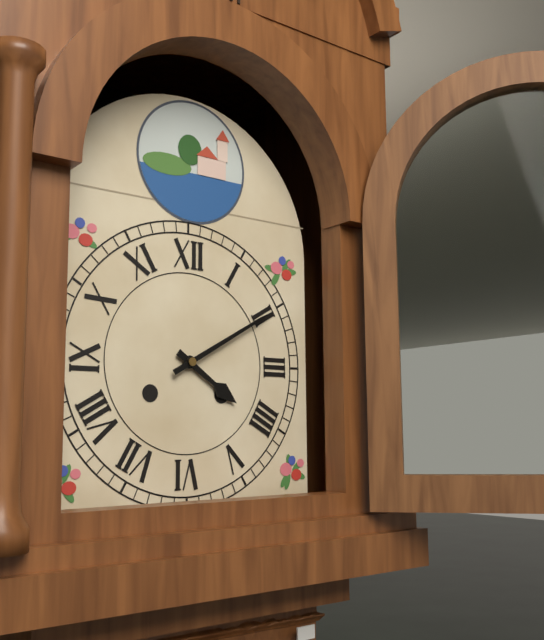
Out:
4.10
